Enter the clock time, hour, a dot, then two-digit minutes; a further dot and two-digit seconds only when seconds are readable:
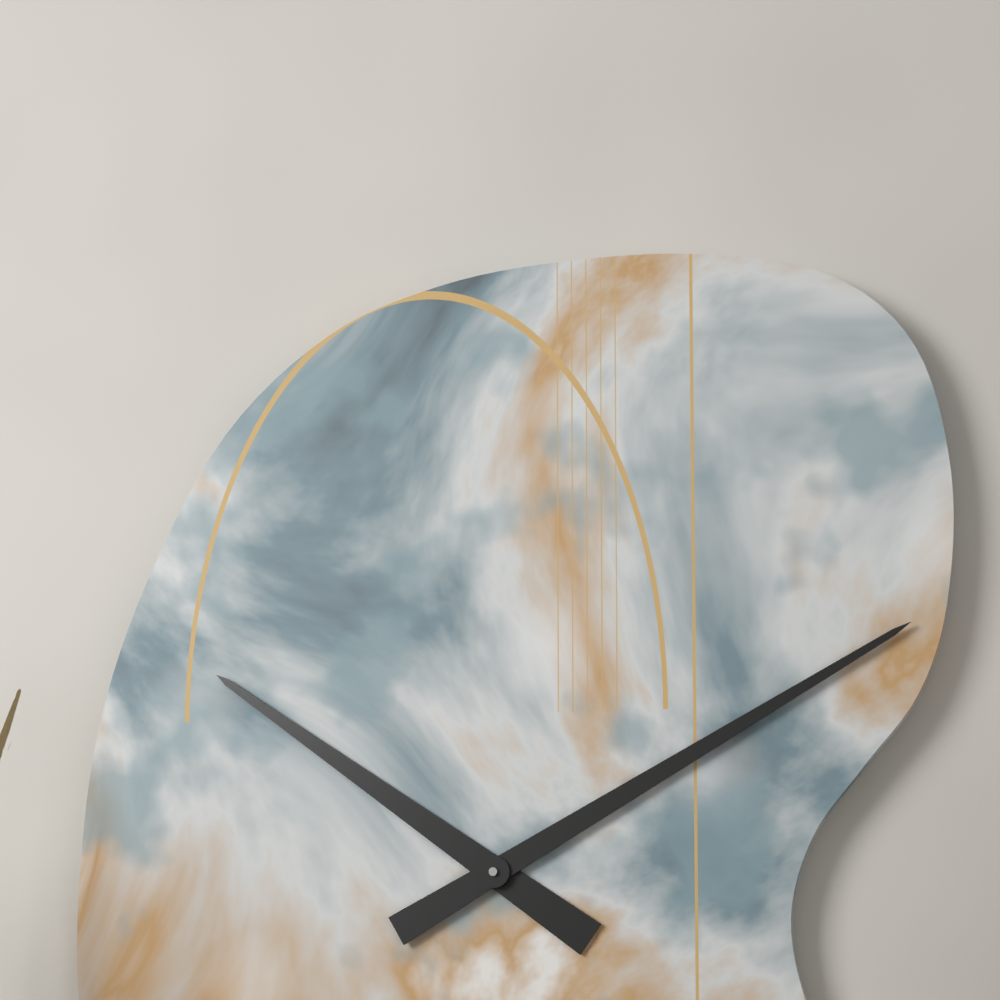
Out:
10.10
